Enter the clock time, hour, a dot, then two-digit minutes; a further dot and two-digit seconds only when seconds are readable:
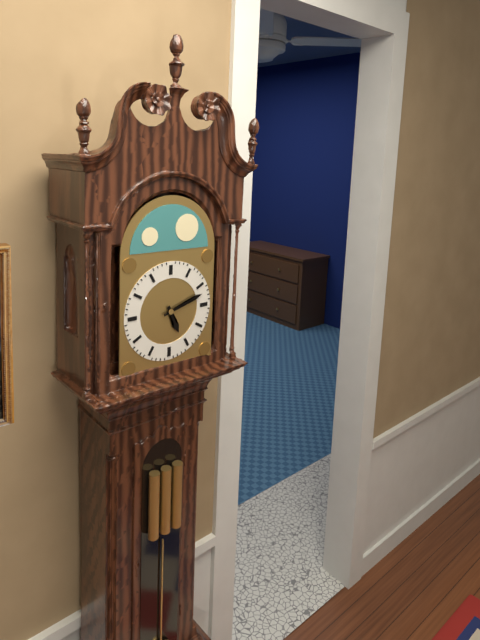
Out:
5.12
